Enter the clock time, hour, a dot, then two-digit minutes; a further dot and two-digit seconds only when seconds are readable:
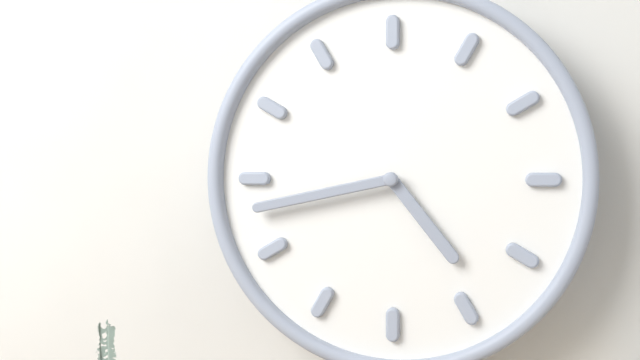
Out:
4.43
